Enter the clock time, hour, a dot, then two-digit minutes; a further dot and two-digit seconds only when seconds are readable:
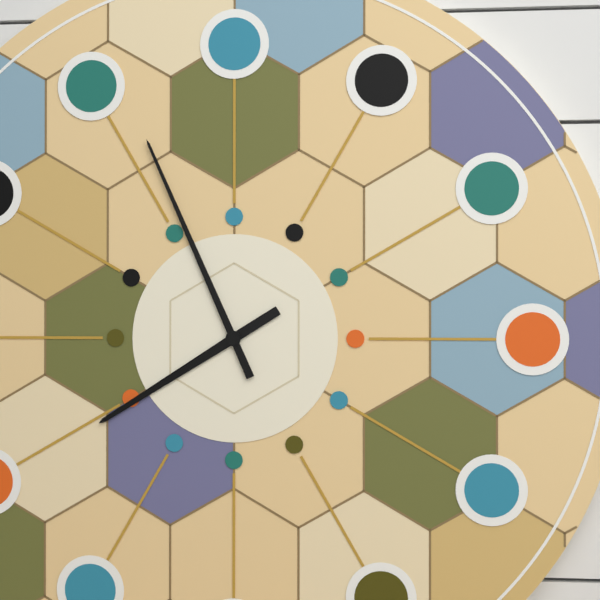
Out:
7.56
